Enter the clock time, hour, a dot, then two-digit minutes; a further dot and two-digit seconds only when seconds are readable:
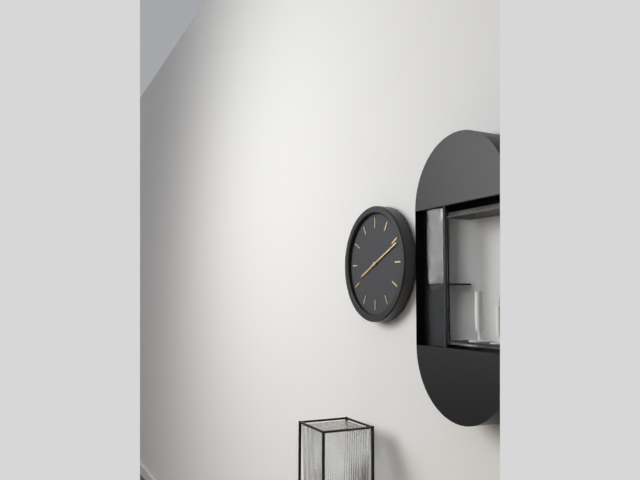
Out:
8.11
